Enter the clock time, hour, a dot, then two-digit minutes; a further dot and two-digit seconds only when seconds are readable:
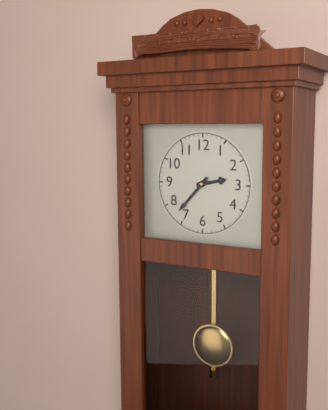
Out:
2.37
